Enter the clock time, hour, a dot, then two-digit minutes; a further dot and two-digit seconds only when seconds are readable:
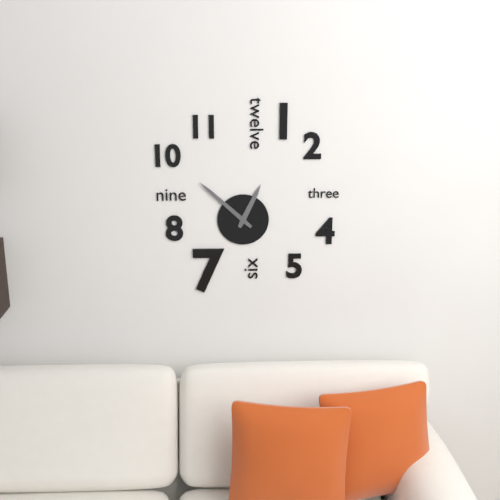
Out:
12.52
